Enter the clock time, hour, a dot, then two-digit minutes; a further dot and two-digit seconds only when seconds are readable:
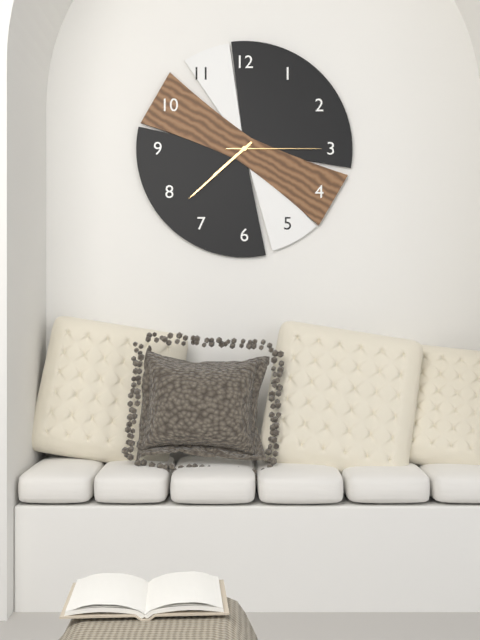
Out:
7.38.15
